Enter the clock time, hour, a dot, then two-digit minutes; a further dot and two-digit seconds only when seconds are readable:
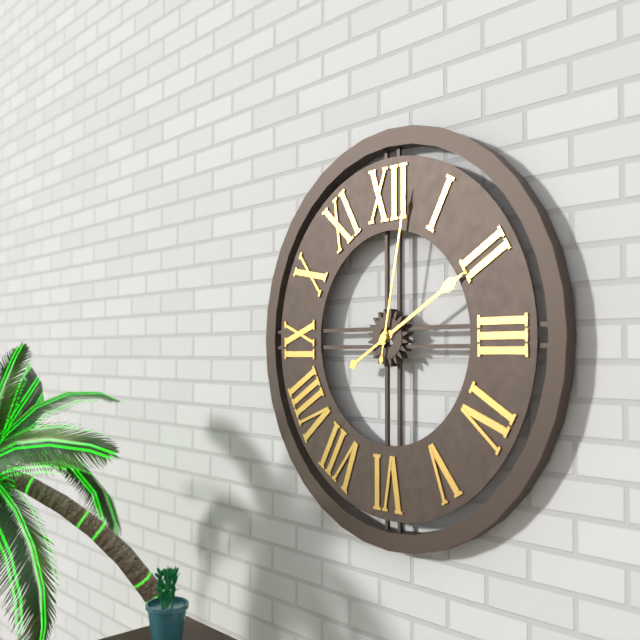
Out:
2.02
